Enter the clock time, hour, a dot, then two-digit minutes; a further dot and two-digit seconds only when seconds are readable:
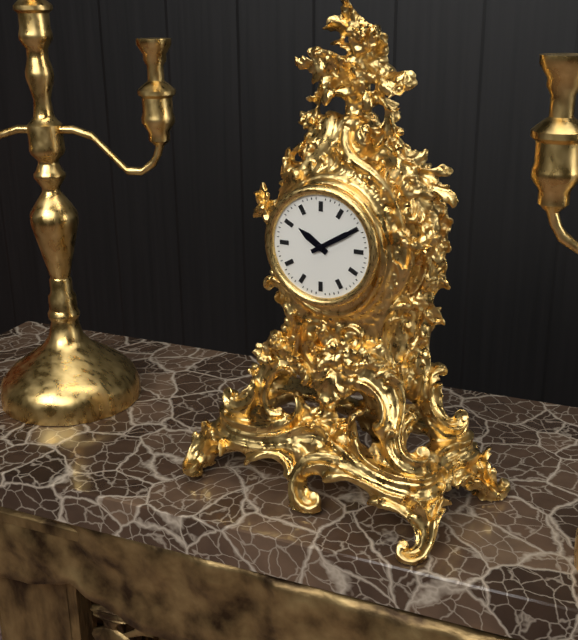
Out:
10.10
